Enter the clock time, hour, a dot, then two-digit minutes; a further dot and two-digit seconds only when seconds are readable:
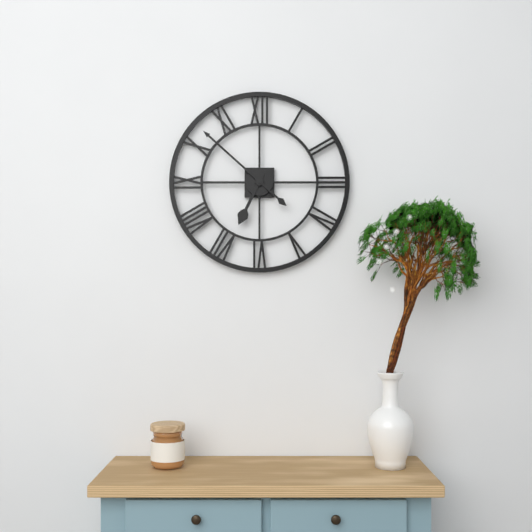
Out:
6.52
